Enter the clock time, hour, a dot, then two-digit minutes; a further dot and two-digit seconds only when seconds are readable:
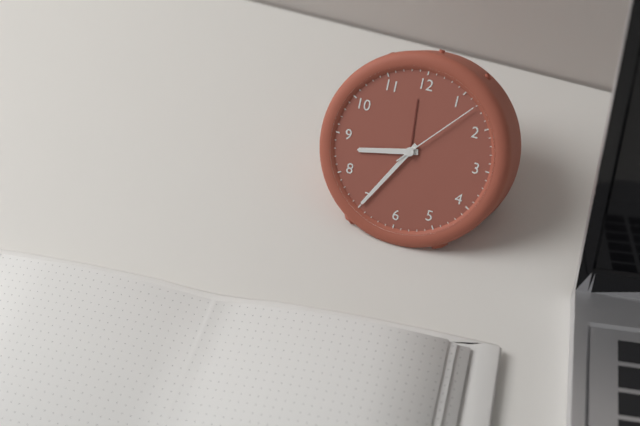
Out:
8.35.07
